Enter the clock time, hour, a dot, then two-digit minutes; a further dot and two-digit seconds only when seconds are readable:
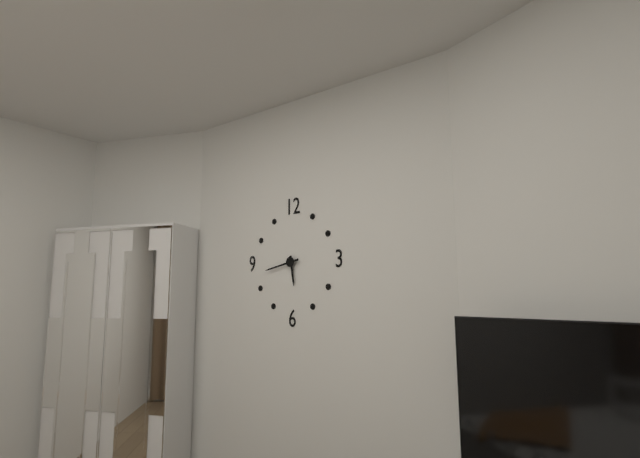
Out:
5.43
